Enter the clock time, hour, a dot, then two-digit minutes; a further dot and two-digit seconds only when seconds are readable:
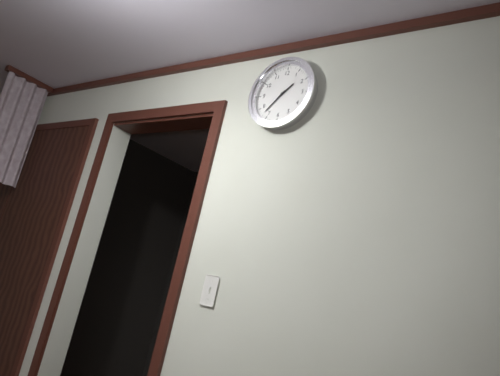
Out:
1.37
